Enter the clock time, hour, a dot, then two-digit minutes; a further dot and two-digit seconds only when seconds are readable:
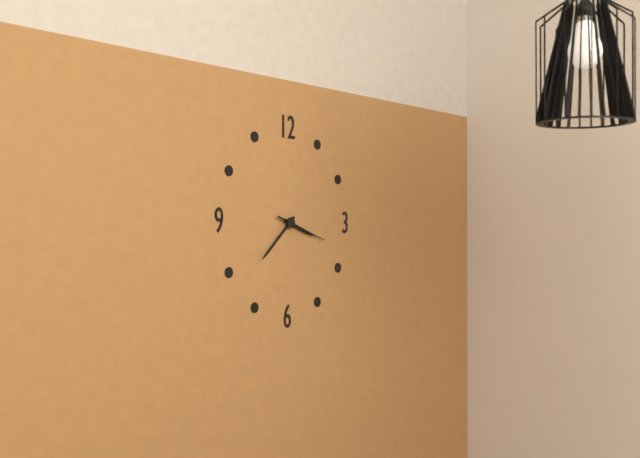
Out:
3.38.18
